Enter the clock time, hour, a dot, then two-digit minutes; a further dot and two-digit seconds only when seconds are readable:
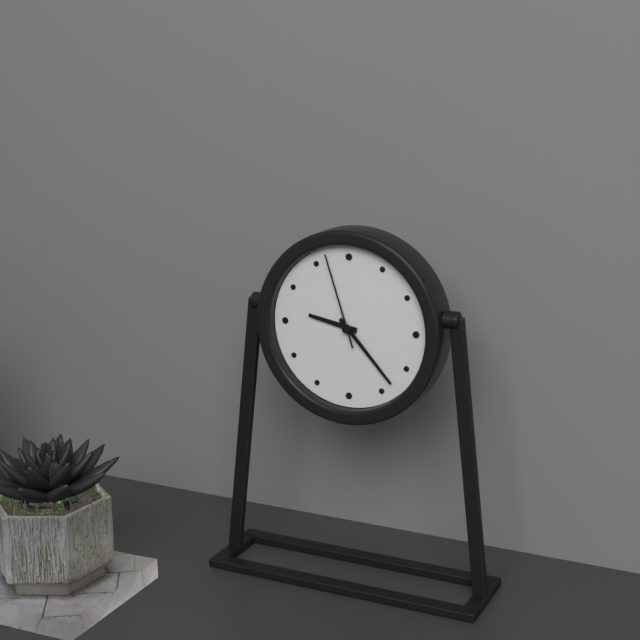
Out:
9.23.57
